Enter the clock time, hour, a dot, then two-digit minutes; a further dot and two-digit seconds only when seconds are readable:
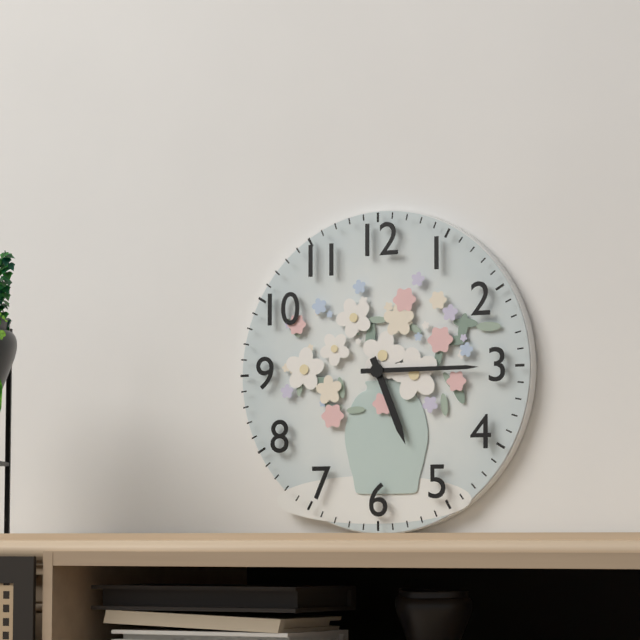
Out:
5.15
